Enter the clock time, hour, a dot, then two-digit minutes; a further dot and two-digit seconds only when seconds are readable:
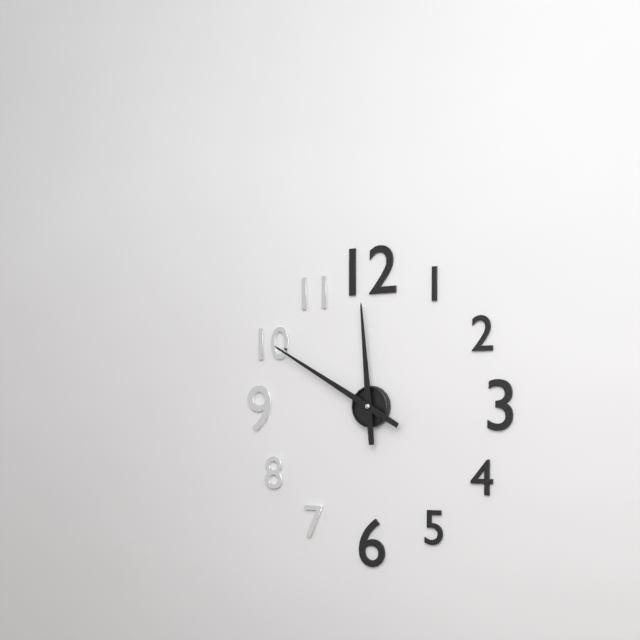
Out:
11.50
